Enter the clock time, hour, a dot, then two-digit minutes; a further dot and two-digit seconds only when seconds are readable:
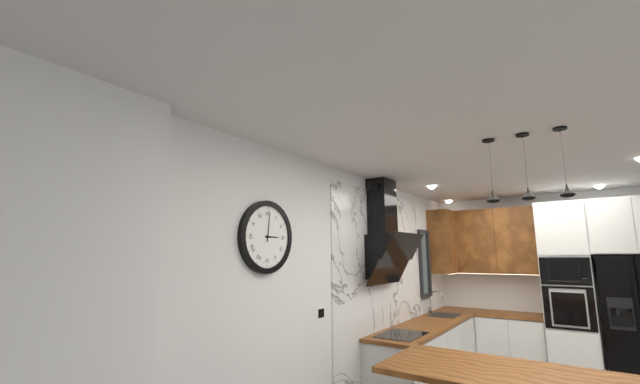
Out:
3.01
